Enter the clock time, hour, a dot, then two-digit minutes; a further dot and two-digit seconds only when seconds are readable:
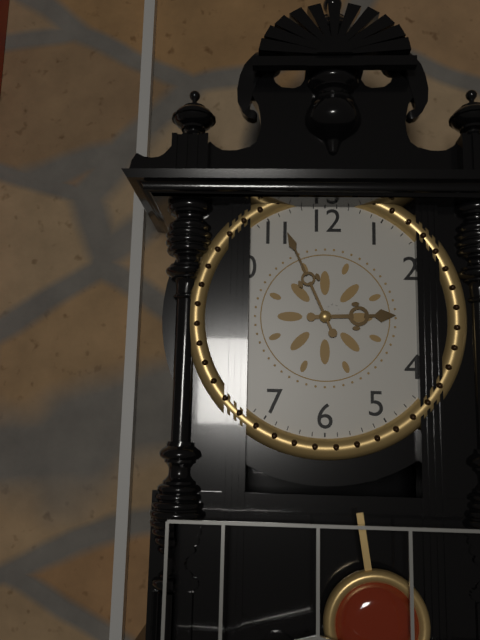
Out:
2.56
